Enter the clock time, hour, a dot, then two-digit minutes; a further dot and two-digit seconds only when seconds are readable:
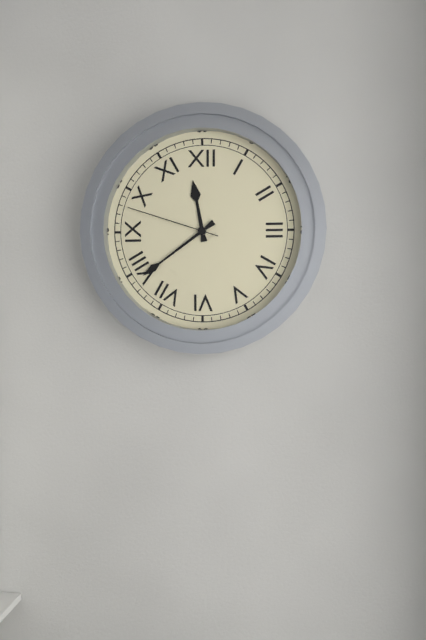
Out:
11.39.48
